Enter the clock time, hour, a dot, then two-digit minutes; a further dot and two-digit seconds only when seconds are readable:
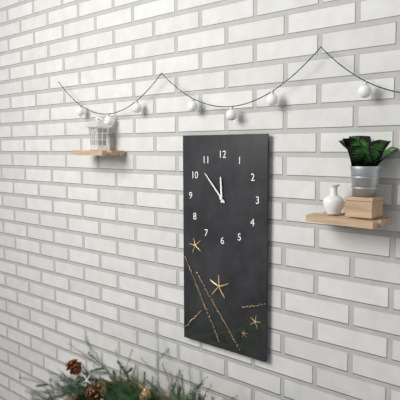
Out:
11.53
